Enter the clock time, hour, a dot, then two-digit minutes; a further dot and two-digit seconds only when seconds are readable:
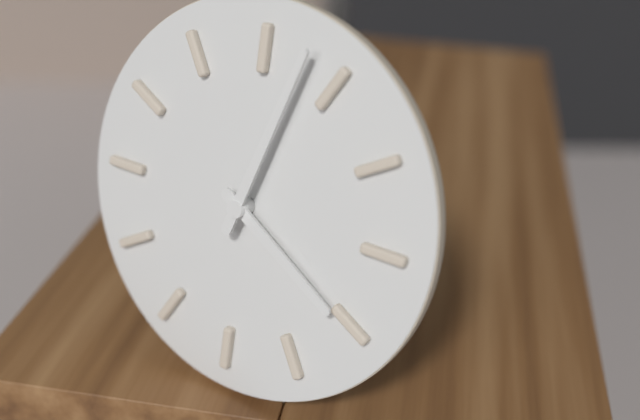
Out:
4.03
